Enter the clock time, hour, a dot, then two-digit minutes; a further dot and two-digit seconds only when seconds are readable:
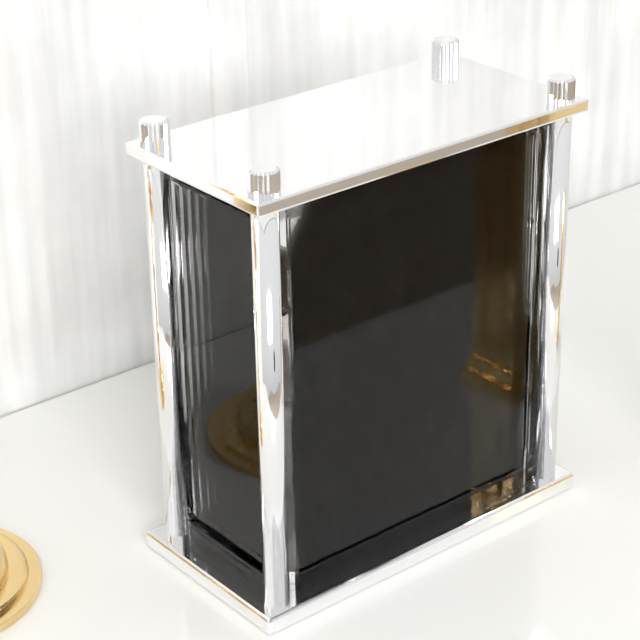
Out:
7.41
